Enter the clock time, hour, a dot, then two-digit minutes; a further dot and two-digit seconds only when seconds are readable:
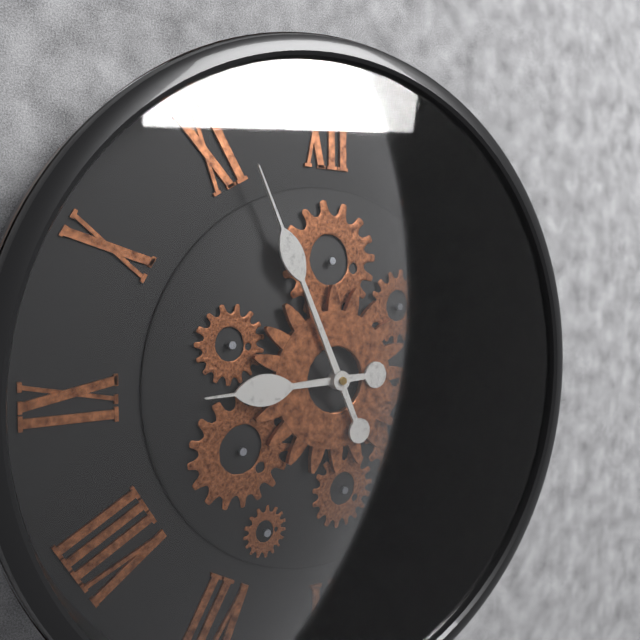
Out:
8.56
